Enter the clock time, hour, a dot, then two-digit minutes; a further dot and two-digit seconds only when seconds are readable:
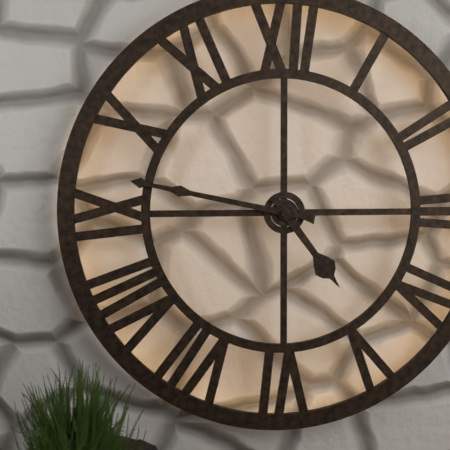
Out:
4.47
